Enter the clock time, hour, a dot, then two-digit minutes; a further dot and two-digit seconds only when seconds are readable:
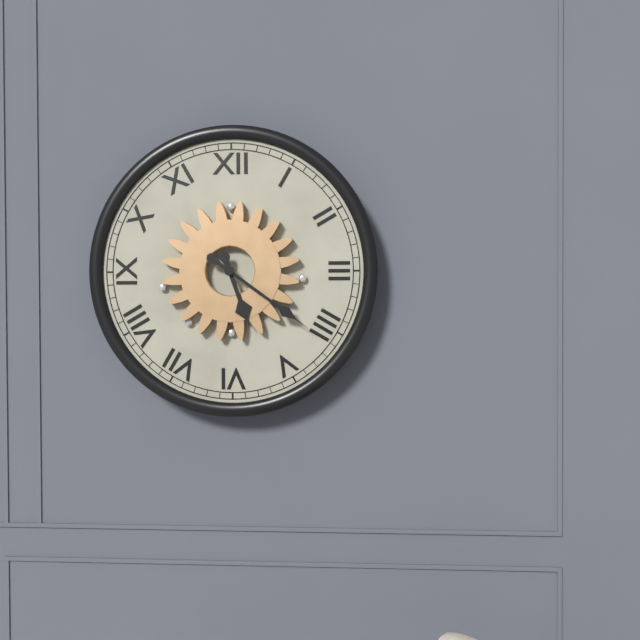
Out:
5.21
